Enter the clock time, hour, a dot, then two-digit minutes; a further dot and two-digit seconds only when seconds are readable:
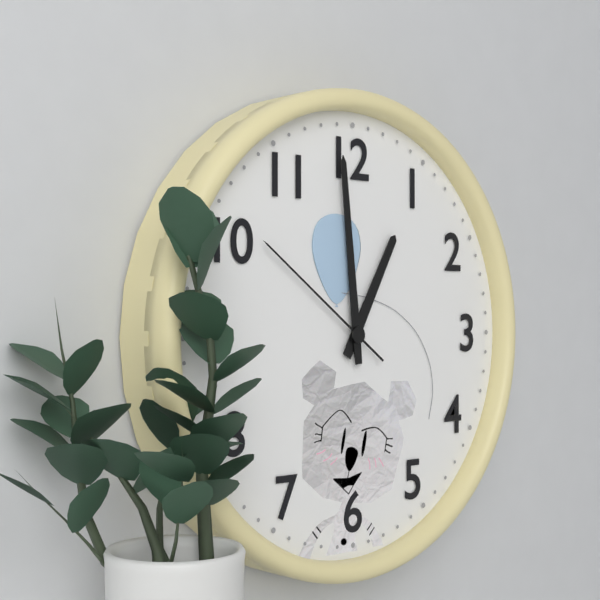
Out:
12.59.51
